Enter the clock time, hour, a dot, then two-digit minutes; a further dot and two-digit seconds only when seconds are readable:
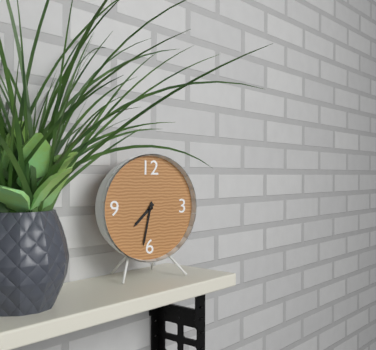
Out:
7.32
